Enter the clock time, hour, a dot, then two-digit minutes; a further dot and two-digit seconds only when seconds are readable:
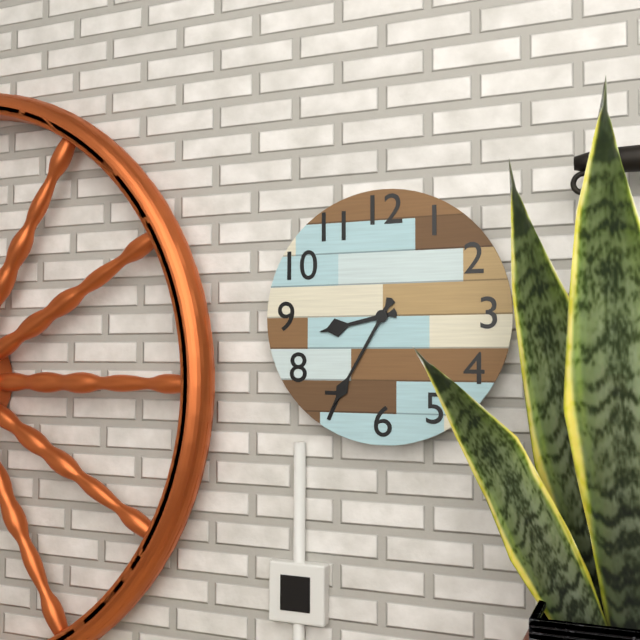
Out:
8.35
